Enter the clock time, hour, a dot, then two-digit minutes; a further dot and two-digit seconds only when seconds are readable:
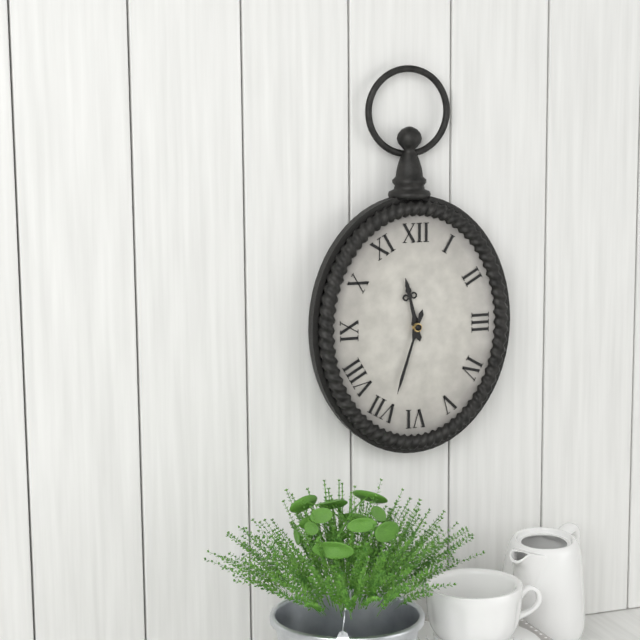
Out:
11.33
